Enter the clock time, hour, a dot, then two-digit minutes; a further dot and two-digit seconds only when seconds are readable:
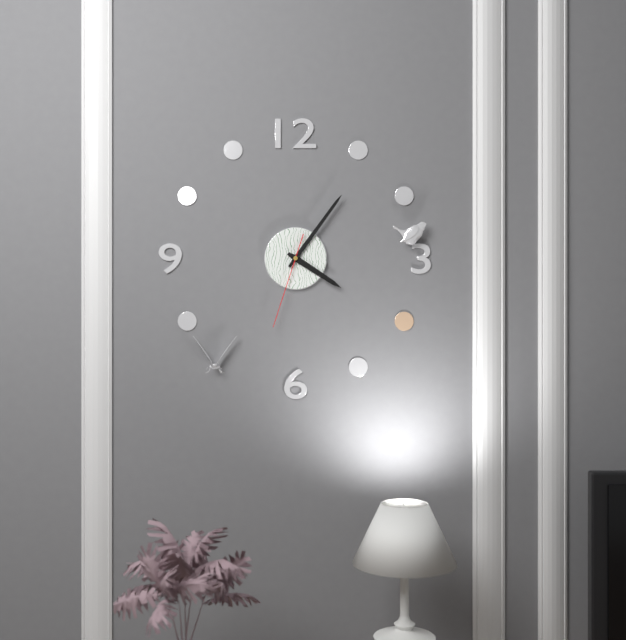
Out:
4.06.33
